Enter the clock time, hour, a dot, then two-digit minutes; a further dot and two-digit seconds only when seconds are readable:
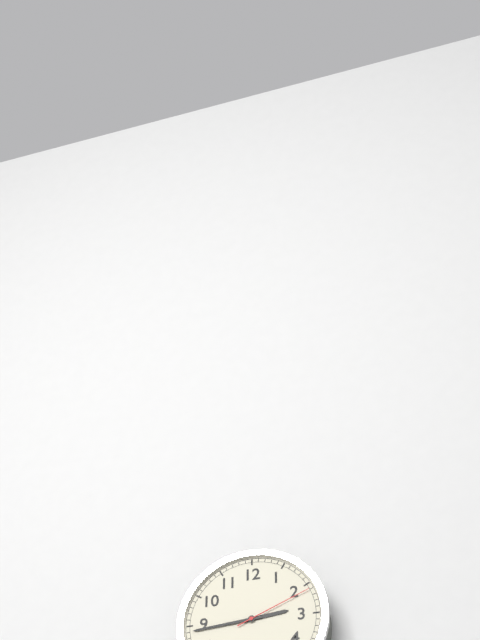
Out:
2.44.11
